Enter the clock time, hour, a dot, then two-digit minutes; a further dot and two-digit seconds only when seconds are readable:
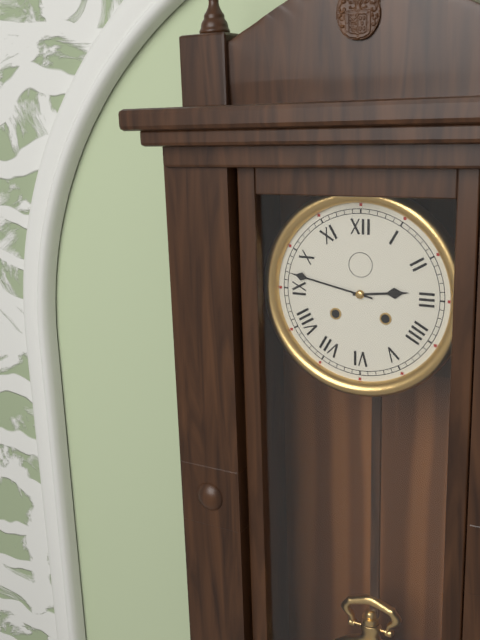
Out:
2.47
